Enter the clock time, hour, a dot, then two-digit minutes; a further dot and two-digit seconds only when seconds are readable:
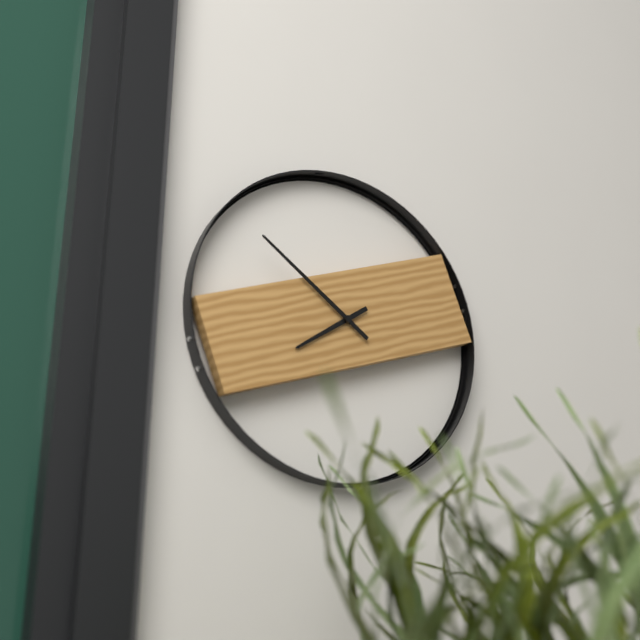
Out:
7.51
